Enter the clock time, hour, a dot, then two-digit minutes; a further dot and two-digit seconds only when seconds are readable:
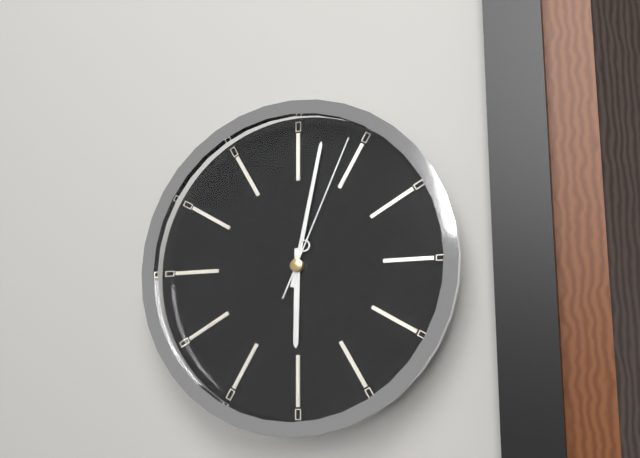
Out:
6.02.04
